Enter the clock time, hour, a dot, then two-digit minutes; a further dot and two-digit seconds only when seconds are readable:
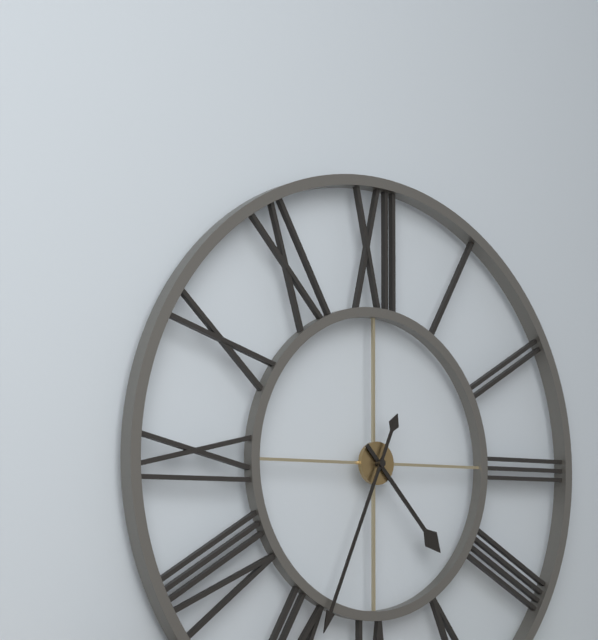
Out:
4.34
